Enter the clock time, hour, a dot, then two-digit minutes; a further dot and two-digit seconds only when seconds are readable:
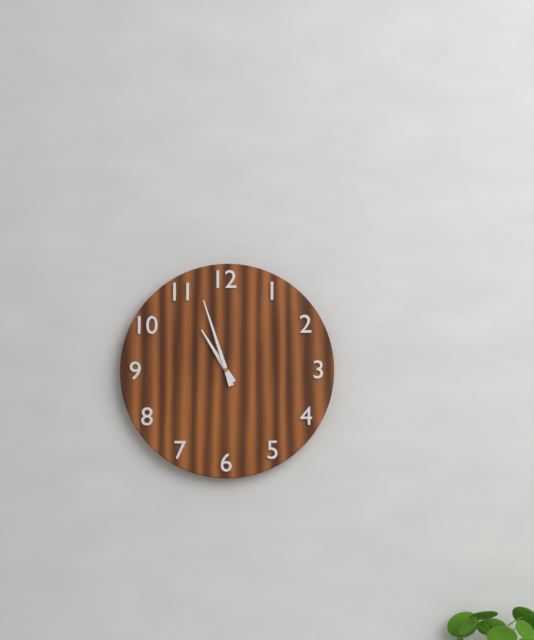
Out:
10.57
